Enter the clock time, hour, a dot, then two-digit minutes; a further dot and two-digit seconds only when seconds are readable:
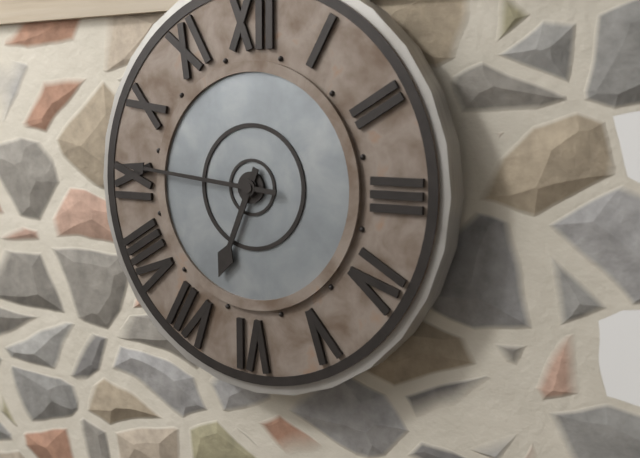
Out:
6.46
